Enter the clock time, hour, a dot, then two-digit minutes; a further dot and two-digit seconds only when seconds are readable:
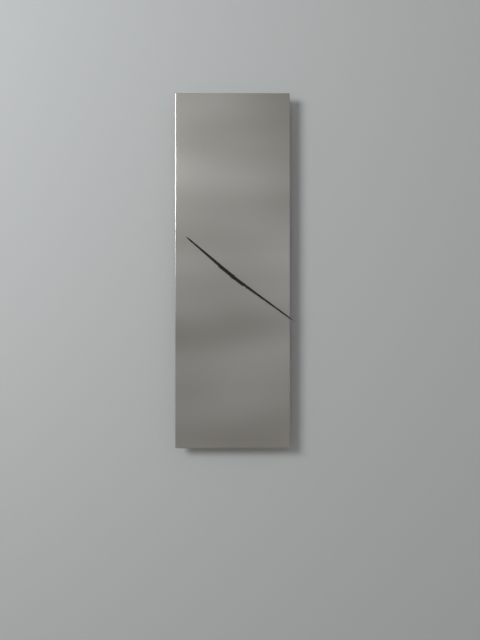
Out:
10.21
